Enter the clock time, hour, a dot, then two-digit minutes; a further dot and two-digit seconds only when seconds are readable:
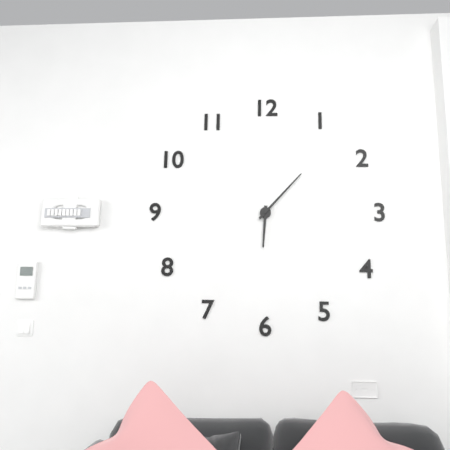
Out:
6.07
